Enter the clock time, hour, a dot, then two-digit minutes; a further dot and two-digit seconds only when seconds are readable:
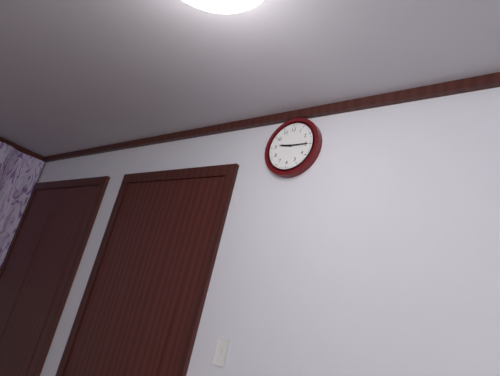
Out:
9.15
